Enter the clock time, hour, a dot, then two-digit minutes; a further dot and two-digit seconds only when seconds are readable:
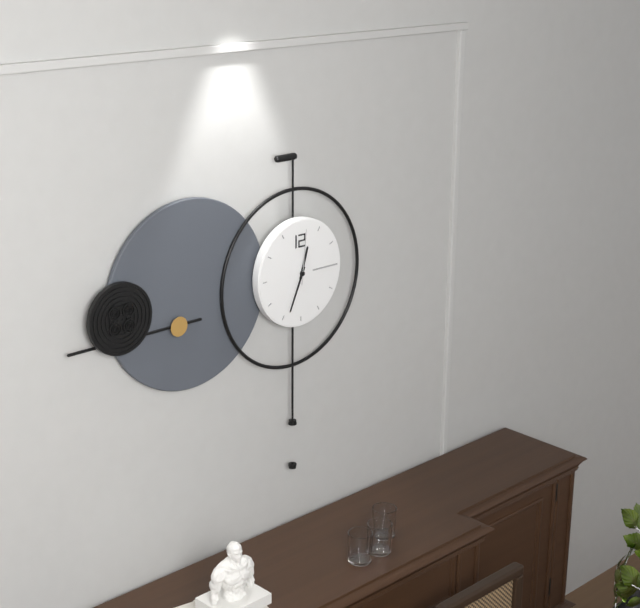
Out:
12.34.01
